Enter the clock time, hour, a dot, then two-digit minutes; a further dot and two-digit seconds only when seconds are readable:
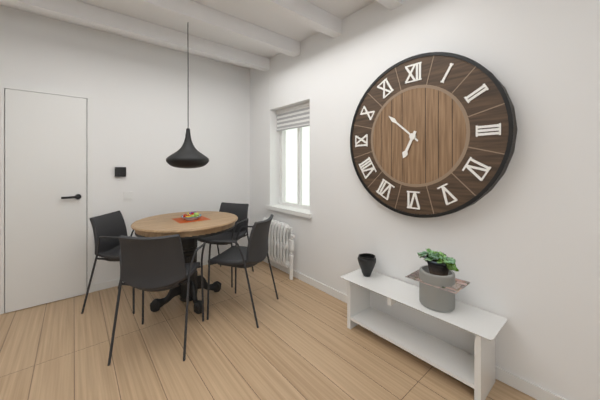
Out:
6.52
